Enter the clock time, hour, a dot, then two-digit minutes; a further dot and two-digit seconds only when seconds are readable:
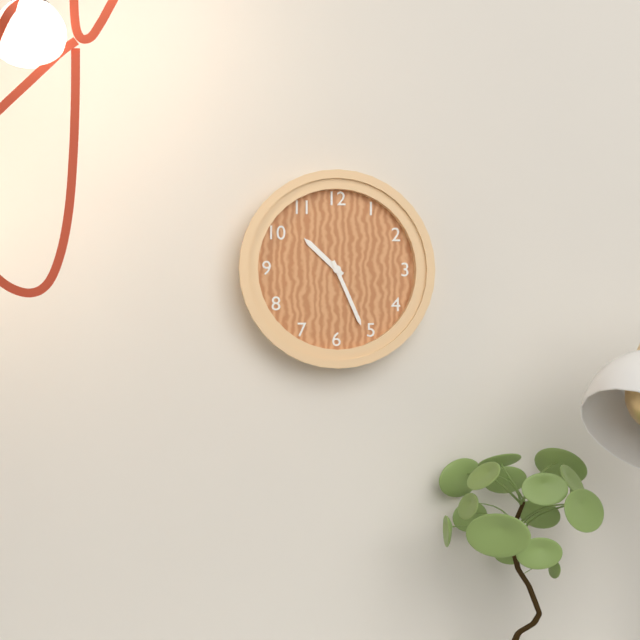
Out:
10.26
